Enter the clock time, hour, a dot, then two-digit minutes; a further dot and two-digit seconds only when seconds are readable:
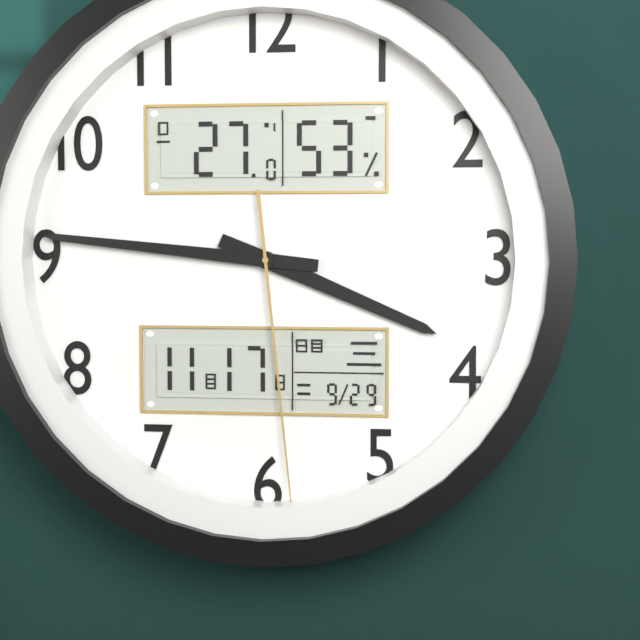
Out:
3.46.29
